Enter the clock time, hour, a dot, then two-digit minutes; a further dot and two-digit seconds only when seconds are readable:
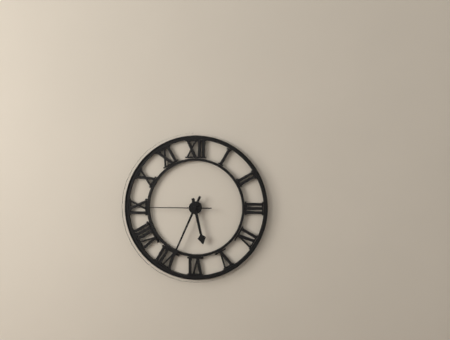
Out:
5.34.45
